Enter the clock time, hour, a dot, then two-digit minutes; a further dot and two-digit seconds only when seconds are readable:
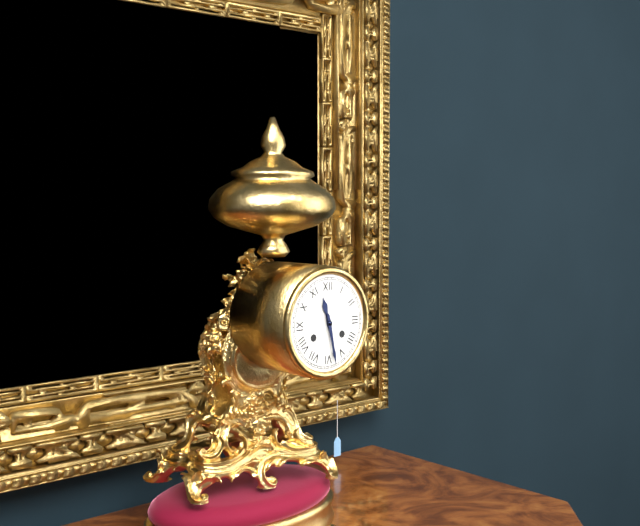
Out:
11.28
